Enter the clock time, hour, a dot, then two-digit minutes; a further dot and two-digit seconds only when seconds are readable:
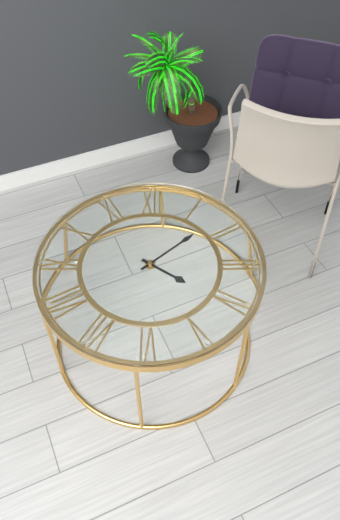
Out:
4.08
